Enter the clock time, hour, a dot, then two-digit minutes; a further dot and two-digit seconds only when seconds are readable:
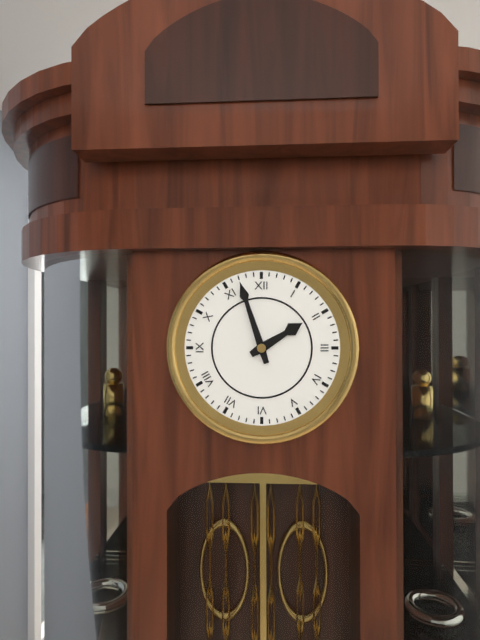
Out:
1.57
